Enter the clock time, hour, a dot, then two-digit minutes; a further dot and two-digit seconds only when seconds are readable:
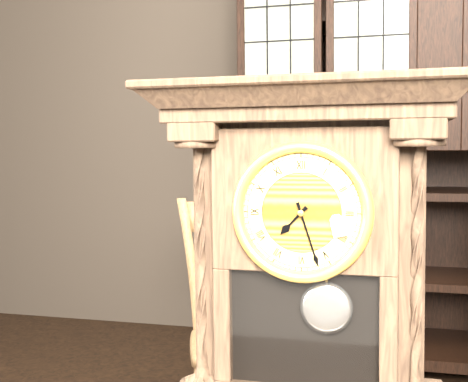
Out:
7.27
